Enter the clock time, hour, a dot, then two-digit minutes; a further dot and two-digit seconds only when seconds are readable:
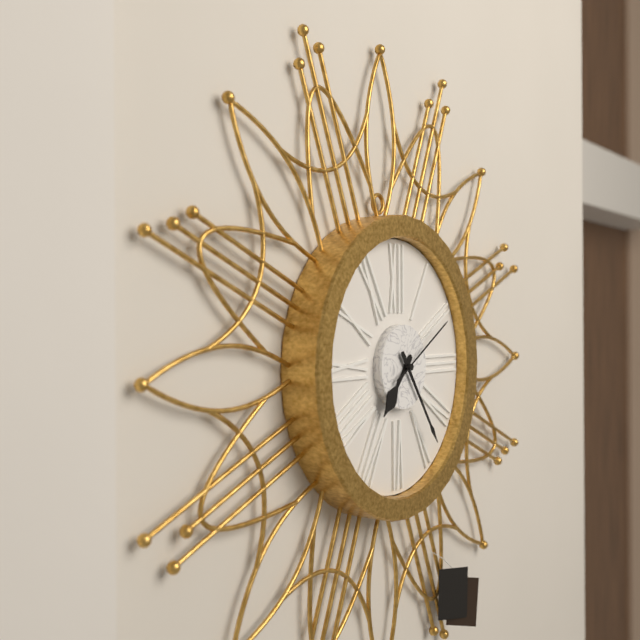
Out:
7.24.10
